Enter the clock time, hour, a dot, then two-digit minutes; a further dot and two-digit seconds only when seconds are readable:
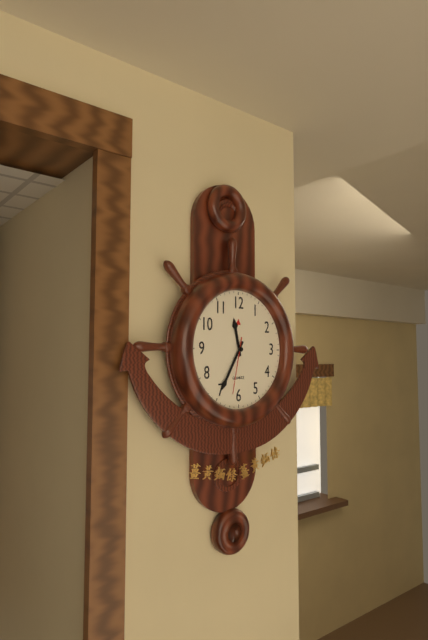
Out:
11.35.32
